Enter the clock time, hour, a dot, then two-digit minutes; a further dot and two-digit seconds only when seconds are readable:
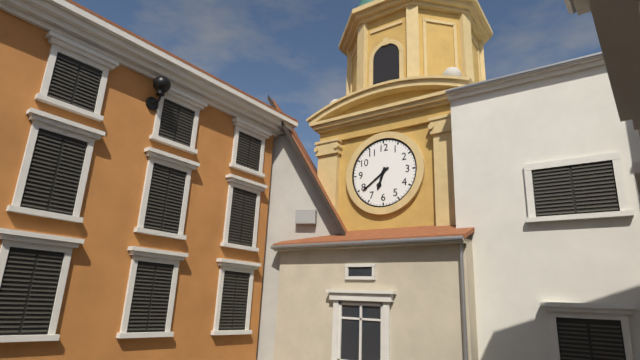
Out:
6.39
